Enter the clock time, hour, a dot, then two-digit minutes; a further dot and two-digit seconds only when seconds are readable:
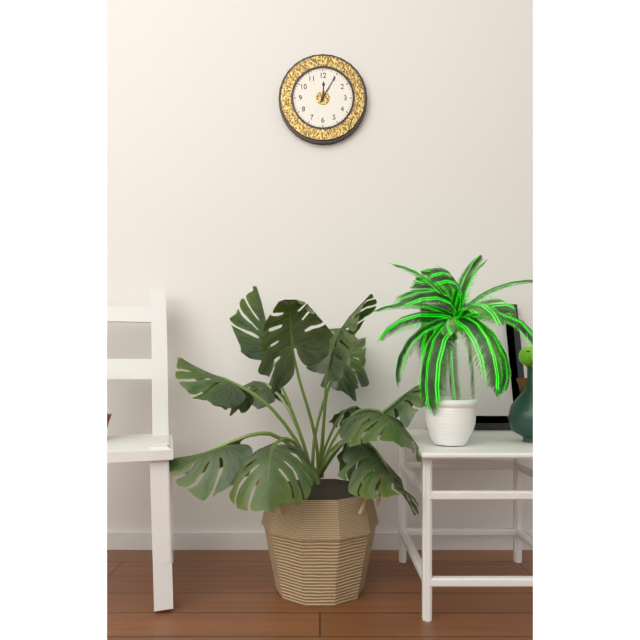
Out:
12.05
